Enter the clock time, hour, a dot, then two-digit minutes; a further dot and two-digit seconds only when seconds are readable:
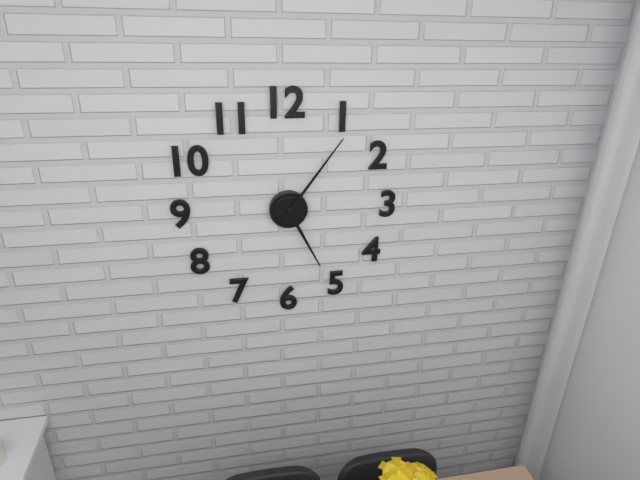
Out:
5.06
